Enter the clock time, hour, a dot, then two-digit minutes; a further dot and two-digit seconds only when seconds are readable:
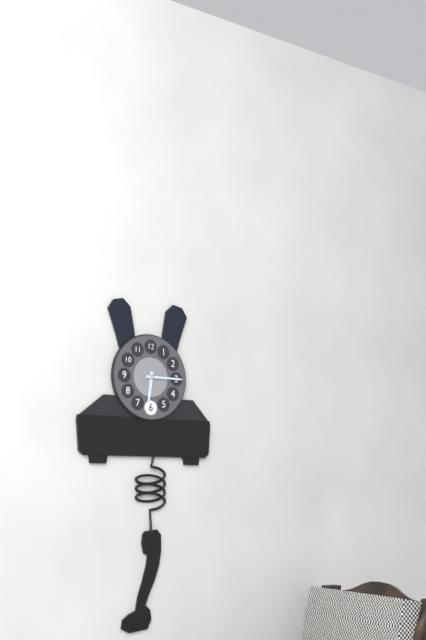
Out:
6.15
